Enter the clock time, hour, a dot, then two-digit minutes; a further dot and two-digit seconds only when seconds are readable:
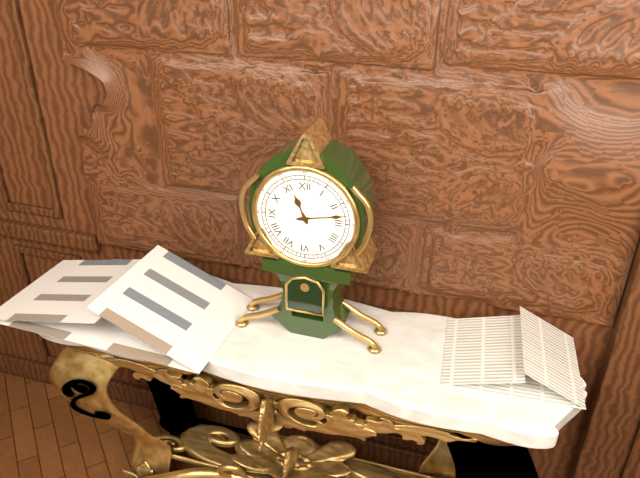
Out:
11.13
